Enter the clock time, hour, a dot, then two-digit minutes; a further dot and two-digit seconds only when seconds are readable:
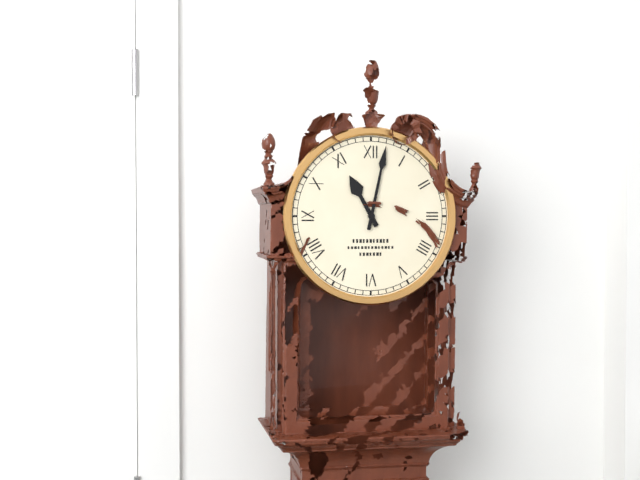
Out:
11.02
